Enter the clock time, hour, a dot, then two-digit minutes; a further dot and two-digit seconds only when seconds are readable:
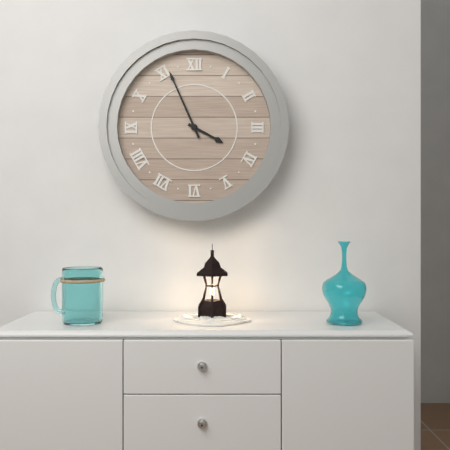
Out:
3.56
